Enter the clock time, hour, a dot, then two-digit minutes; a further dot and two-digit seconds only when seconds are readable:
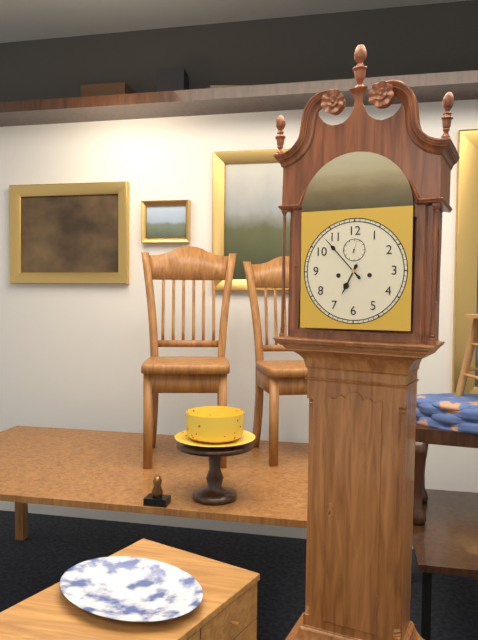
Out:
6.53
